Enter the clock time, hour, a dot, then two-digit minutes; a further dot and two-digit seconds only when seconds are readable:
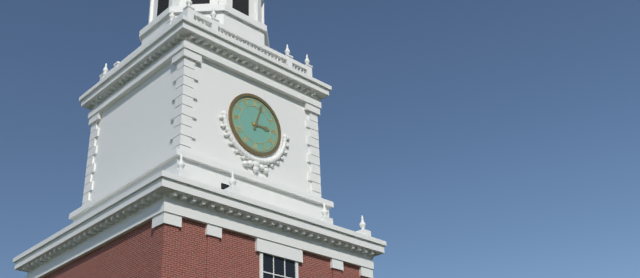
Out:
3.03
